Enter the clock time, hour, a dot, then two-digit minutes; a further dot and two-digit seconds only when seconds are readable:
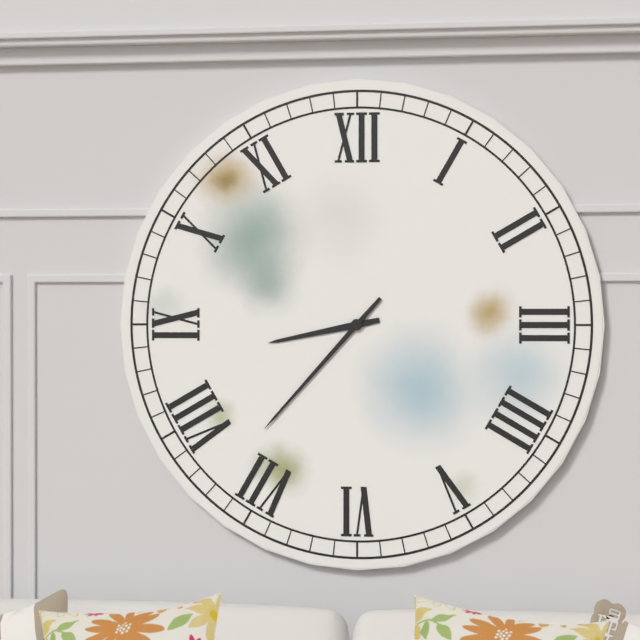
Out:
8.37
